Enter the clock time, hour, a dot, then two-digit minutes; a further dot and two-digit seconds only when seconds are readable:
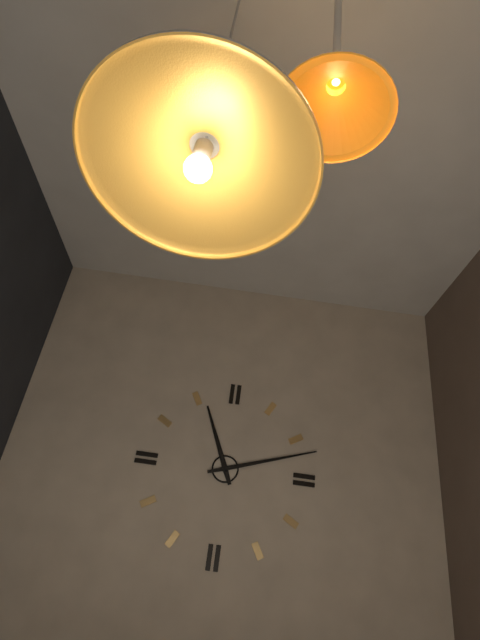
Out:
11.12
